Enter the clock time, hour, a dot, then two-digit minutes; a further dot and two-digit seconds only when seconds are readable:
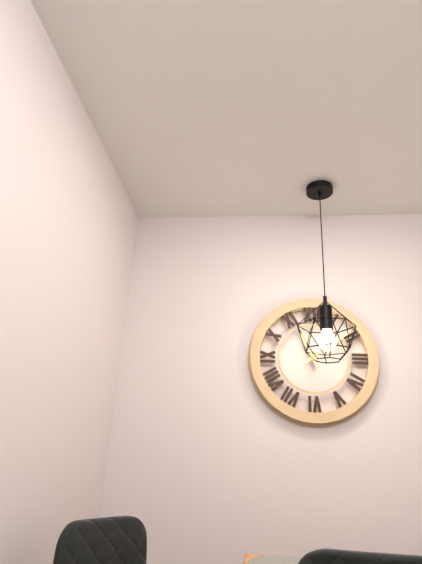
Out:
11.09
